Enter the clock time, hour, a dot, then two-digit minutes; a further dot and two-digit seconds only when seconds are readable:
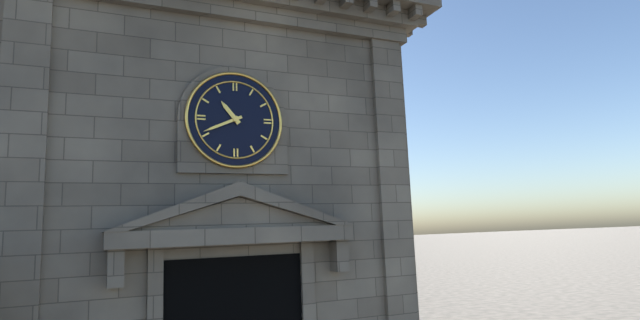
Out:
10.41
